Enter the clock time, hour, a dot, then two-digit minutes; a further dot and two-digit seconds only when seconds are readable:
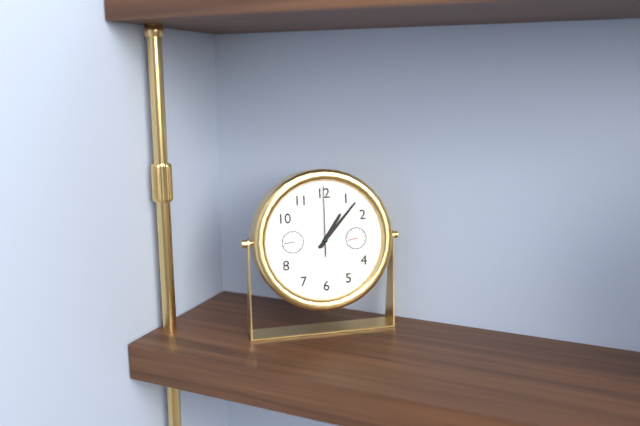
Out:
1.07.00
